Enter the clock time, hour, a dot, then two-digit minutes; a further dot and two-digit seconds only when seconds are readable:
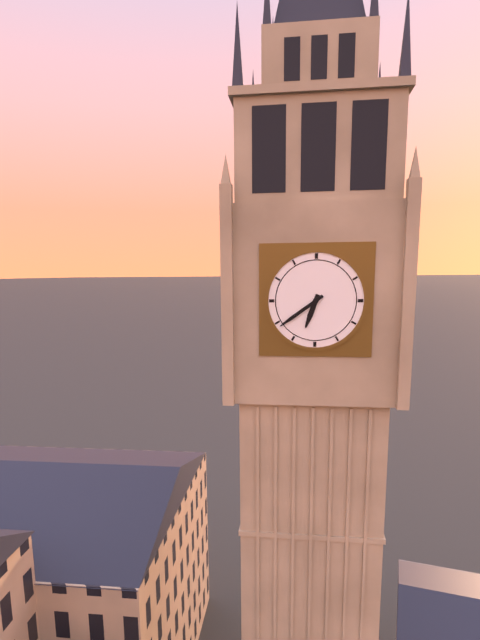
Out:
6.39
